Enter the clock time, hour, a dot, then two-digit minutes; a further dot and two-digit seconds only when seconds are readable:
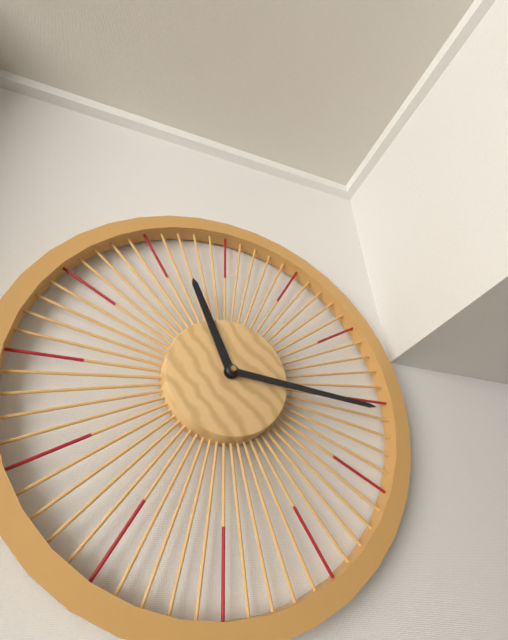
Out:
11.16
